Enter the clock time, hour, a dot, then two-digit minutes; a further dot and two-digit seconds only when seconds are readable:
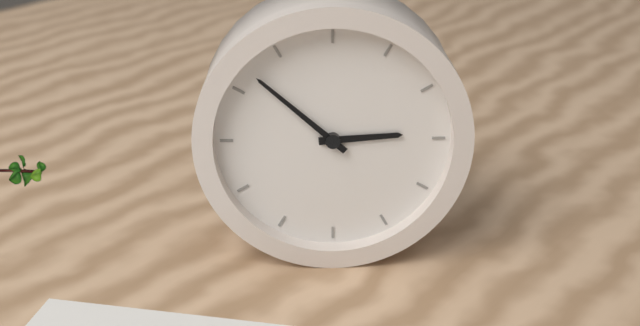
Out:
2.52
